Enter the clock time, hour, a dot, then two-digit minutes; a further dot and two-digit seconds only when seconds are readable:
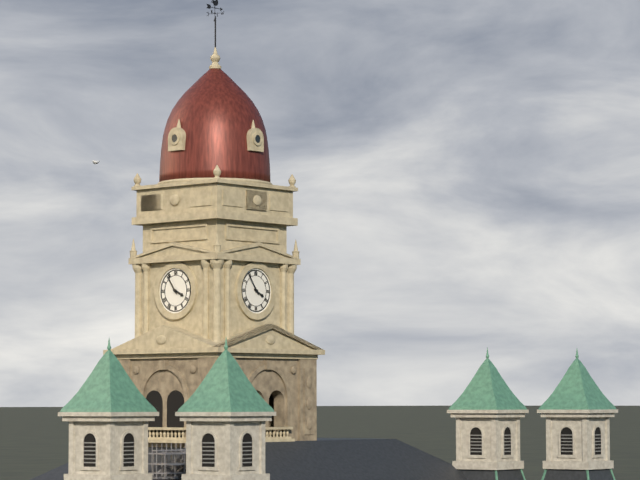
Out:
3.54
